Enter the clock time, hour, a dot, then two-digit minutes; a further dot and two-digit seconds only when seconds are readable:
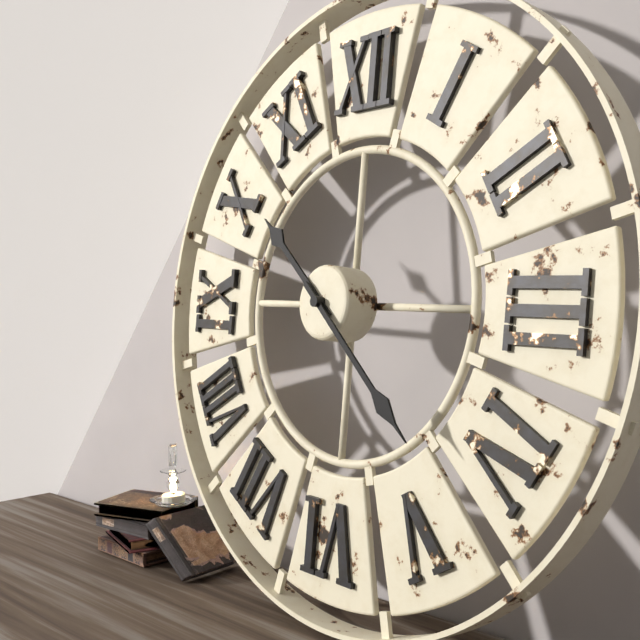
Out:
10.22
